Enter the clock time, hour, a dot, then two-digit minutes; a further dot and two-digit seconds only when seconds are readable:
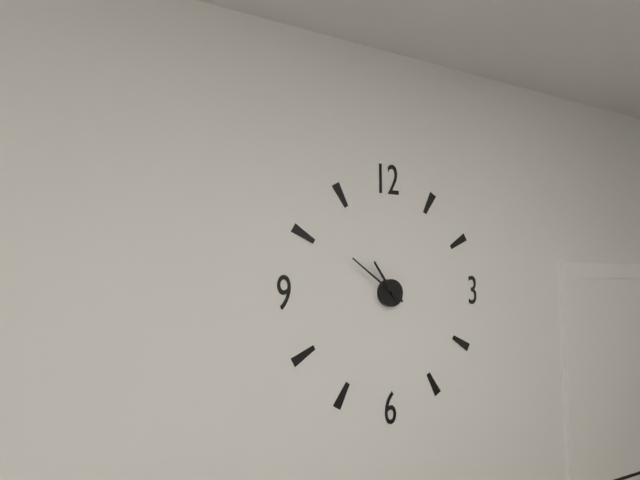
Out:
10.51
